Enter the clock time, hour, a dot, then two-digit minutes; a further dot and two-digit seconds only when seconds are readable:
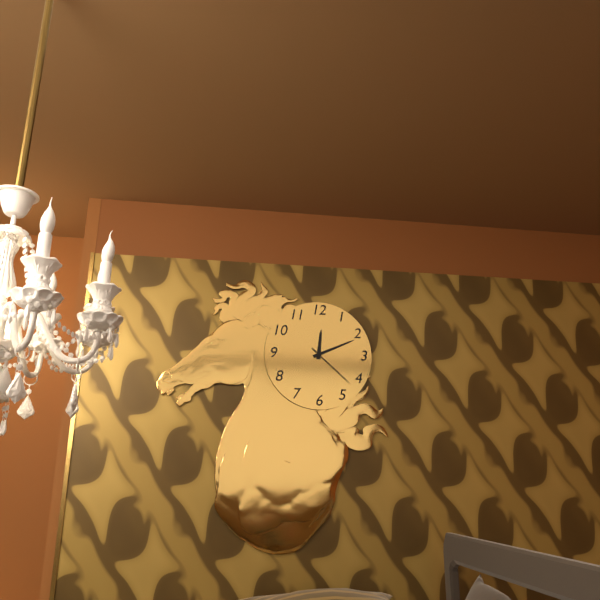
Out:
12.11.22
